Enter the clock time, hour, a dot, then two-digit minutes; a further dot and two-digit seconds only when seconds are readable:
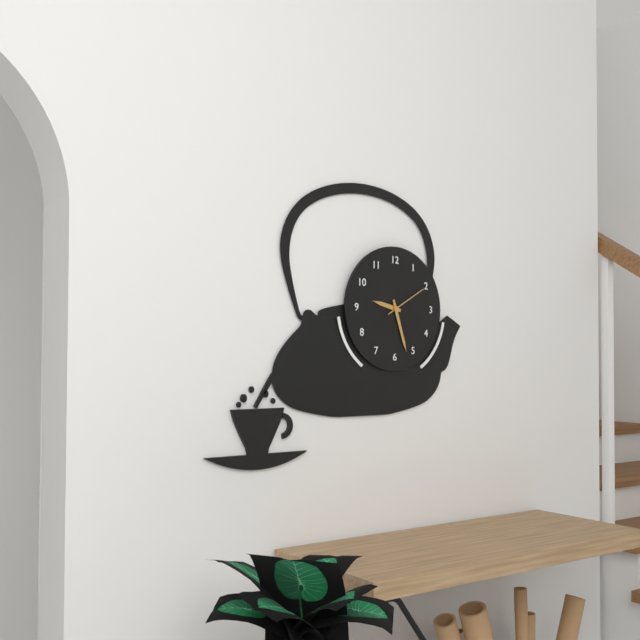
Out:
9.27
